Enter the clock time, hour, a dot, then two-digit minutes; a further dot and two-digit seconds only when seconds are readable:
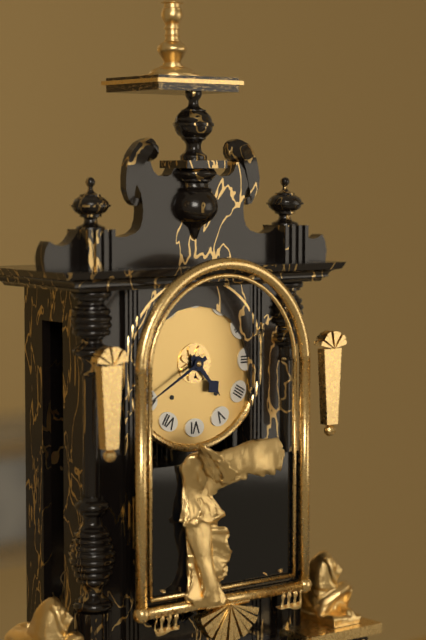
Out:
4.40
